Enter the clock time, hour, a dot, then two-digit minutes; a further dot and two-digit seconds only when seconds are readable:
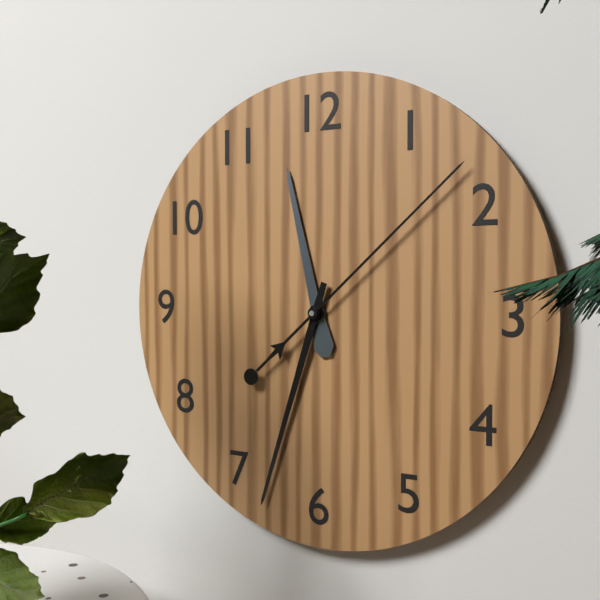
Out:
11.33.08
